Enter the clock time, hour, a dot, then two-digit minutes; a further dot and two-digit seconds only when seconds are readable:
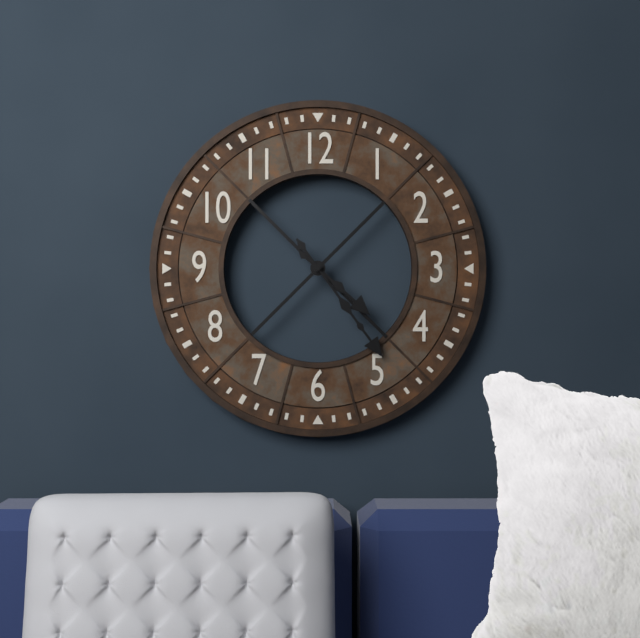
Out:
4.24
